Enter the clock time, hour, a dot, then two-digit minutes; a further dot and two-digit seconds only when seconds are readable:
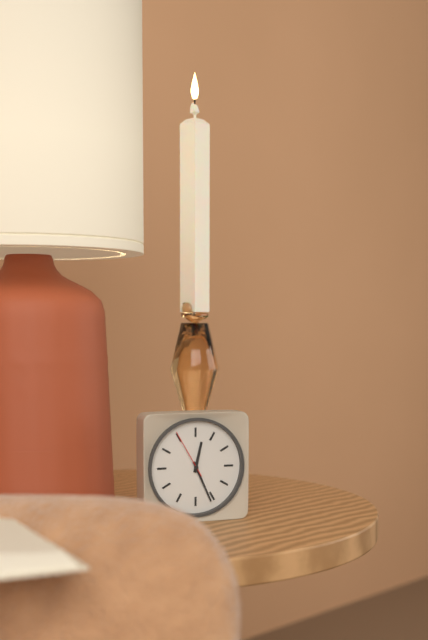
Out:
12.26.55
